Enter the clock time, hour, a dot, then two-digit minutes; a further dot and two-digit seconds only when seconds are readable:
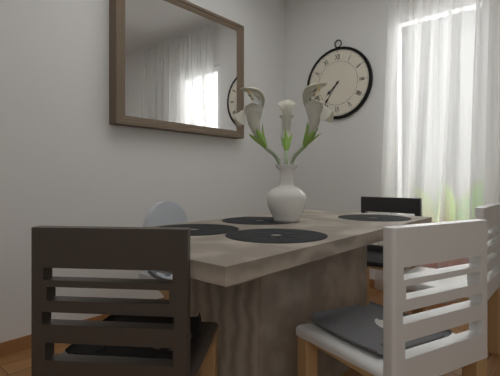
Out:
7.36
